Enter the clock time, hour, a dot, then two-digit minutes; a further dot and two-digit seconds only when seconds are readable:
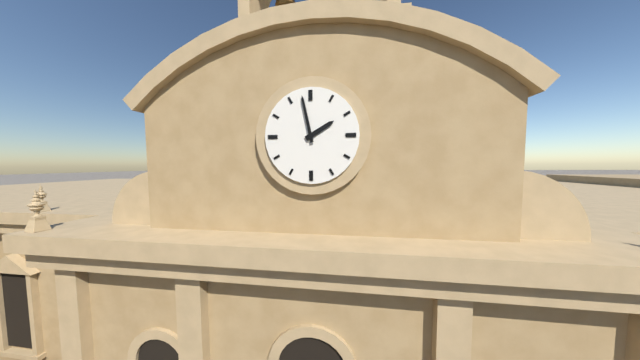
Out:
1.58
